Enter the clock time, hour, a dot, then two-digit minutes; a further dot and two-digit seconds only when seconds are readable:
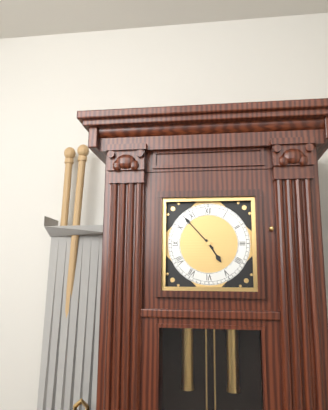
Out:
4.53
